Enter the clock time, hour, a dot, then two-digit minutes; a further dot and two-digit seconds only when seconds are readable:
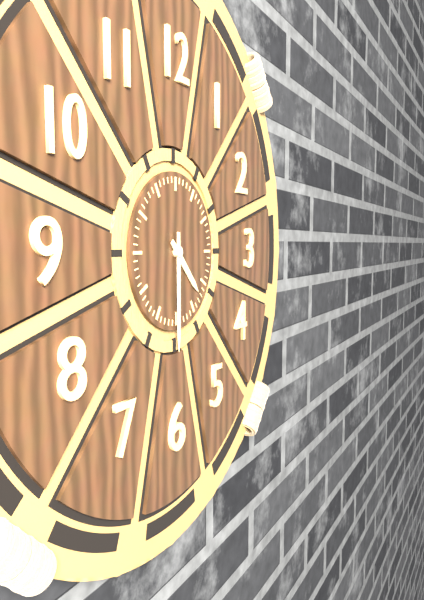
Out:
4.30
